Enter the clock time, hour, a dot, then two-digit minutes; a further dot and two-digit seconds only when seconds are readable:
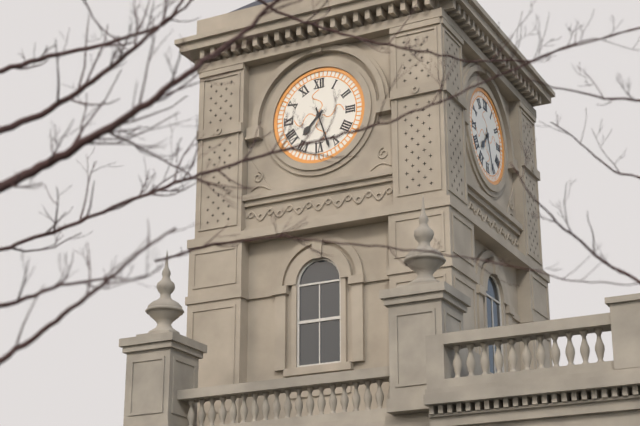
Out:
7.27
